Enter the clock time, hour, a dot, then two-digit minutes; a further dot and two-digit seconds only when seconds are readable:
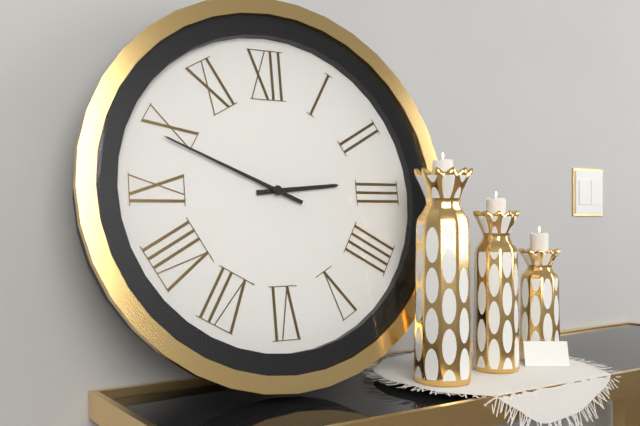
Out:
2.49
